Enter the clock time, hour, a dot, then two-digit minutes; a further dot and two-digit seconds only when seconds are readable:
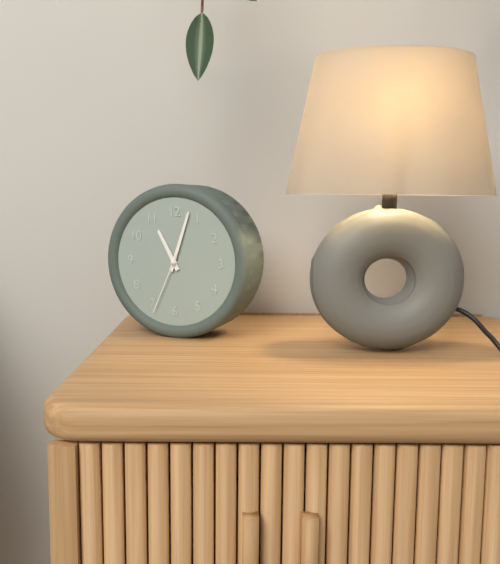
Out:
11.03.34
